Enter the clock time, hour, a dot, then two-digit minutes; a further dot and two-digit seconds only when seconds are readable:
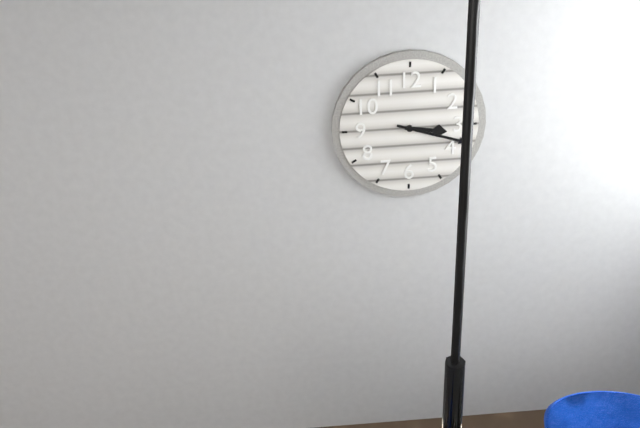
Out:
3.18
